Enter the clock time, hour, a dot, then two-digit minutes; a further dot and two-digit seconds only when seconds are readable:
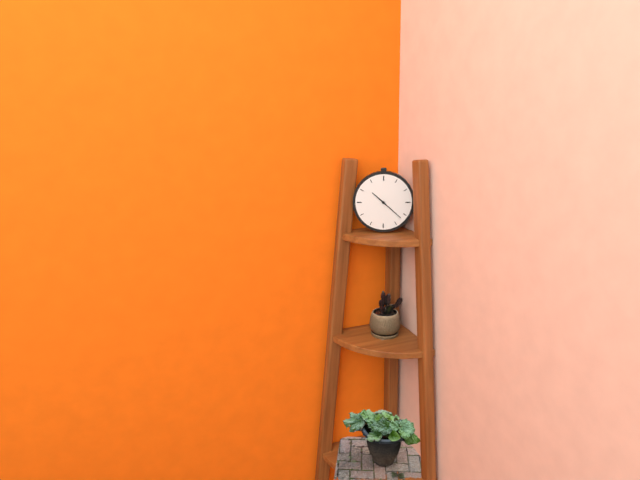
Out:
10.22
